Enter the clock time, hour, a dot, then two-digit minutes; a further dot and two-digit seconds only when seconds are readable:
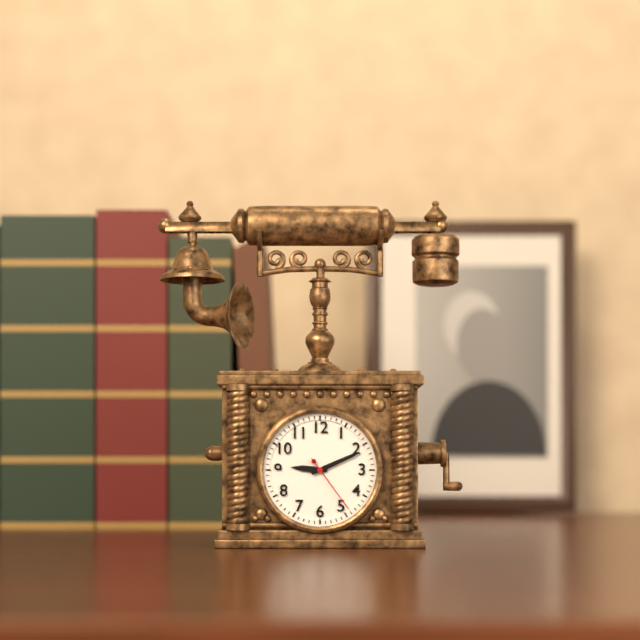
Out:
9.11.24
